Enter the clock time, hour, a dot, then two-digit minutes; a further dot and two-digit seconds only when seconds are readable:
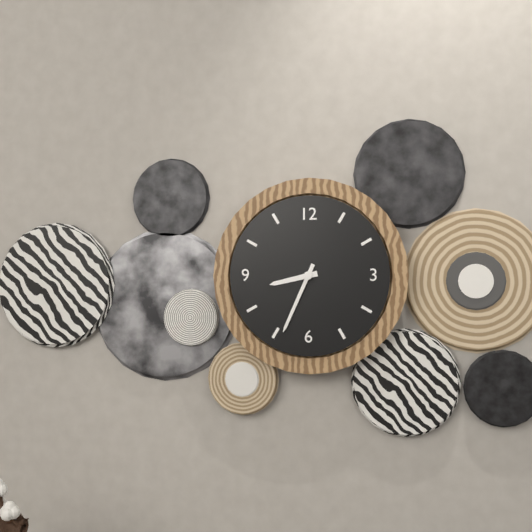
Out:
8.34
